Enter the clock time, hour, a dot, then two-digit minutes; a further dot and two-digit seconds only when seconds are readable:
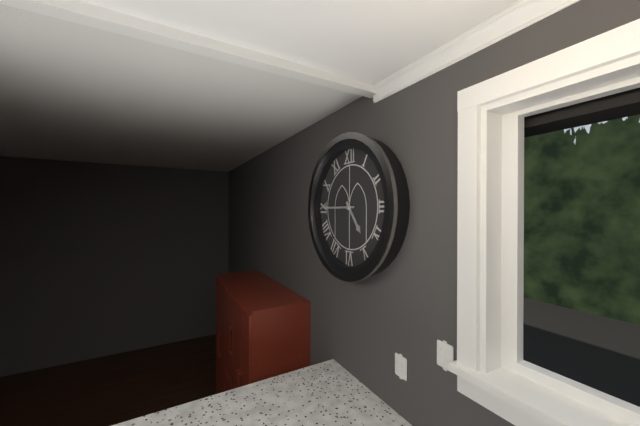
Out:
4.45
